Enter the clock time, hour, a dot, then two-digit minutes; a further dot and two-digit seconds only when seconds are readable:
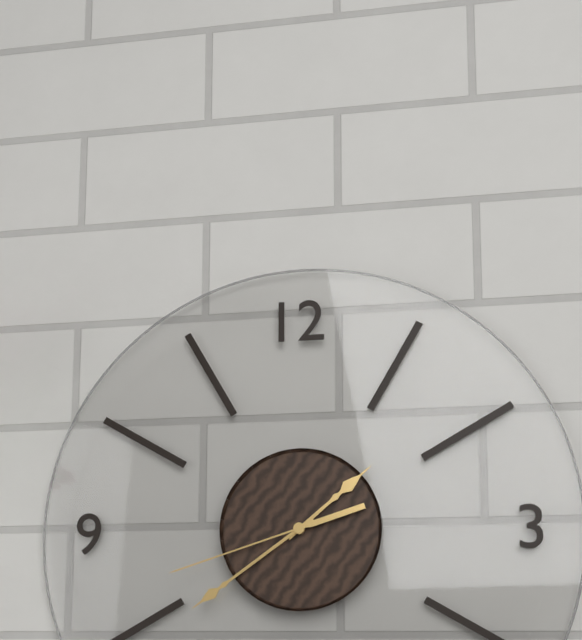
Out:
1.39.42
